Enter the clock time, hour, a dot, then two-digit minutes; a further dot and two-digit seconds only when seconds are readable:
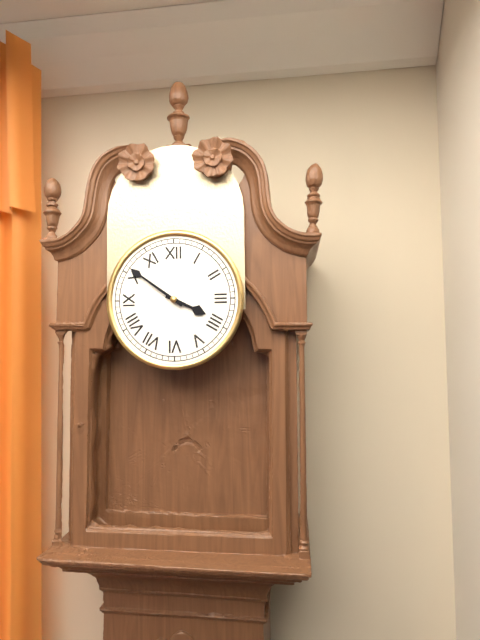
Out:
3.51
